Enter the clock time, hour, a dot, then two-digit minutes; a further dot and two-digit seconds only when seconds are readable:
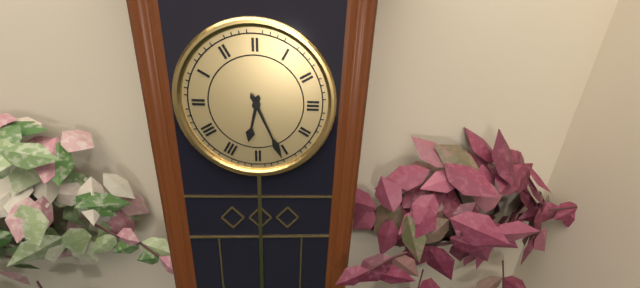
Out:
6.26
